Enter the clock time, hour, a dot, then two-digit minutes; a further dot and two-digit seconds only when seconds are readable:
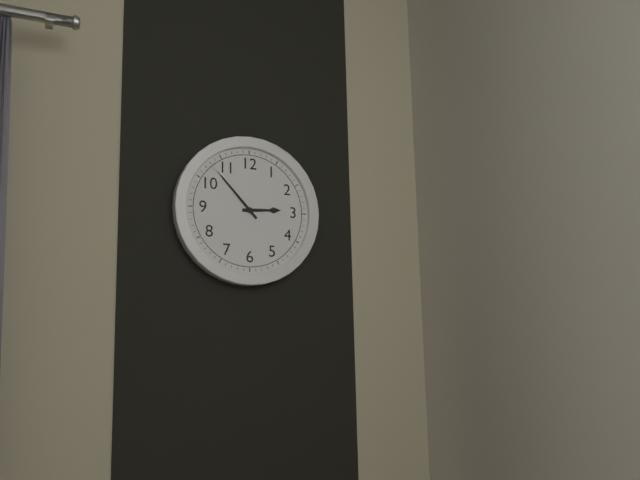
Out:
2.53
